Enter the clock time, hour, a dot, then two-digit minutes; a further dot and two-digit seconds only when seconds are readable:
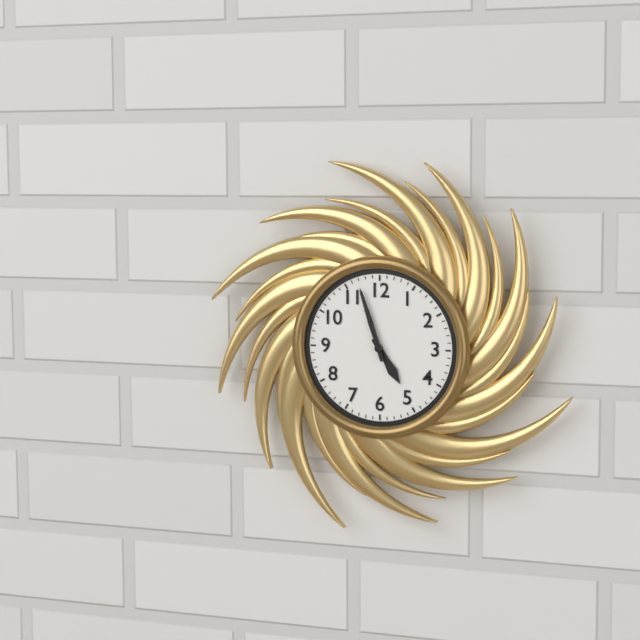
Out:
4.57
